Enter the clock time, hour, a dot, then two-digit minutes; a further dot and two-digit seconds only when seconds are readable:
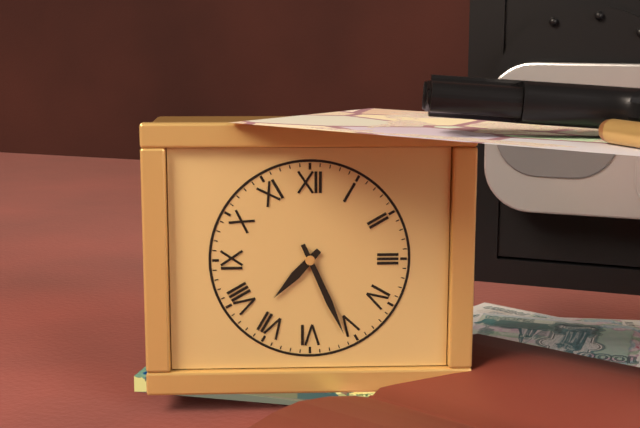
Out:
7.26
